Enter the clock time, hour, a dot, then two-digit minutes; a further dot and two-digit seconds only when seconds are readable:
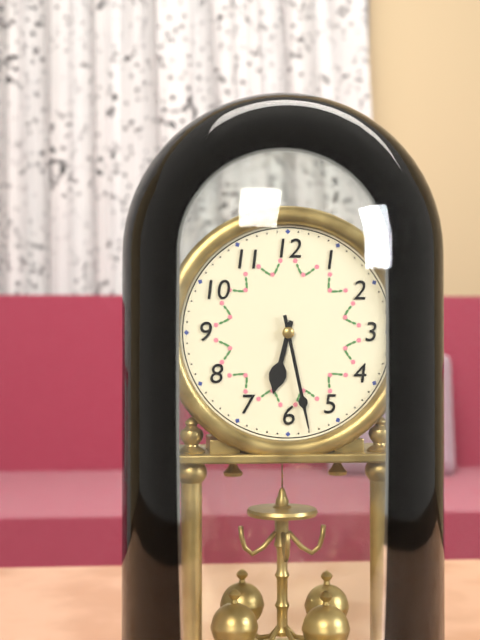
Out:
6.28
